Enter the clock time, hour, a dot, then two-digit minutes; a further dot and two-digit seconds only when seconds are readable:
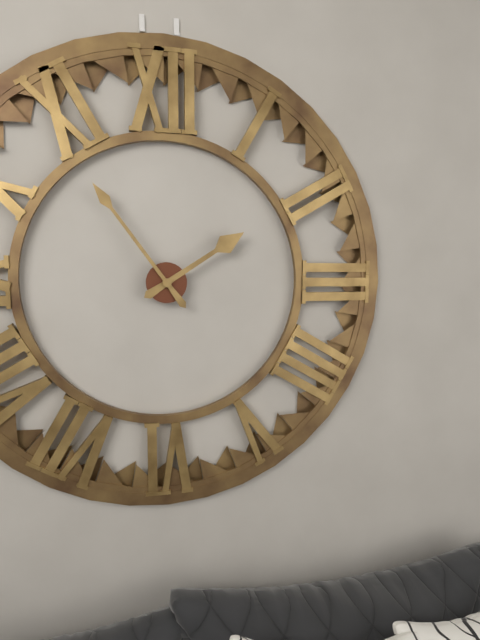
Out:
1.54
